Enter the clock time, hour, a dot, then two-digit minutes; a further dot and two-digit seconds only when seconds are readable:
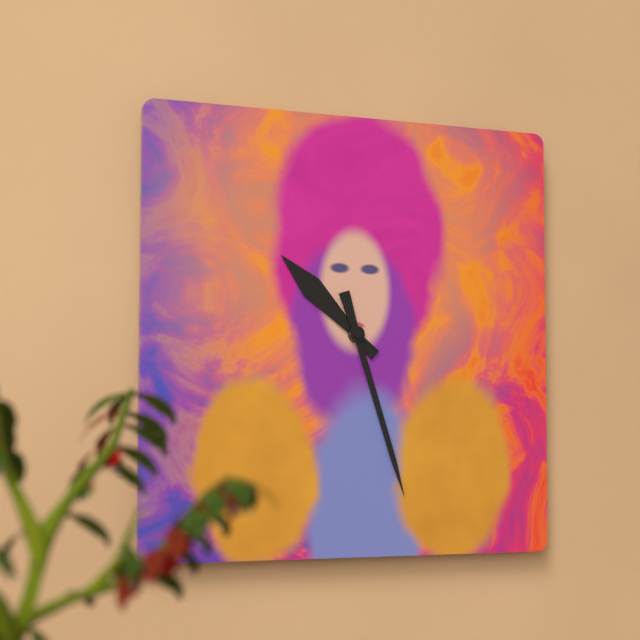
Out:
10.27
